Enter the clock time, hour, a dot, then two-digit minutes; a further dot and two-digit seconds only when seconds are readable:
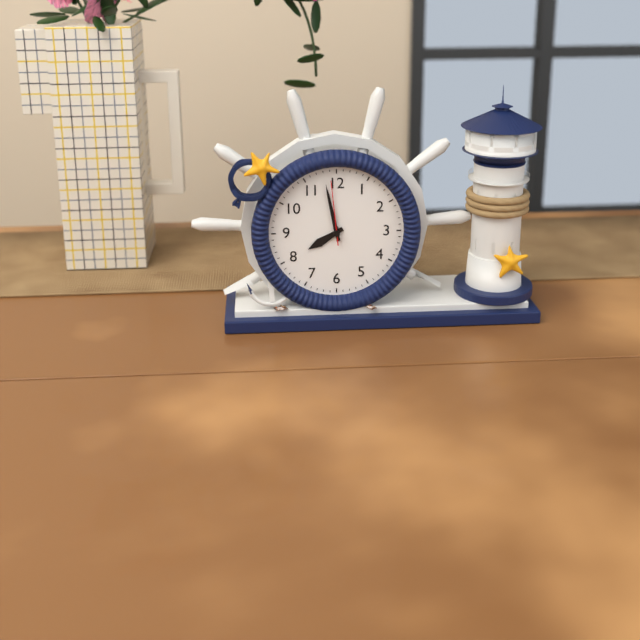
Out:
7.58.59
